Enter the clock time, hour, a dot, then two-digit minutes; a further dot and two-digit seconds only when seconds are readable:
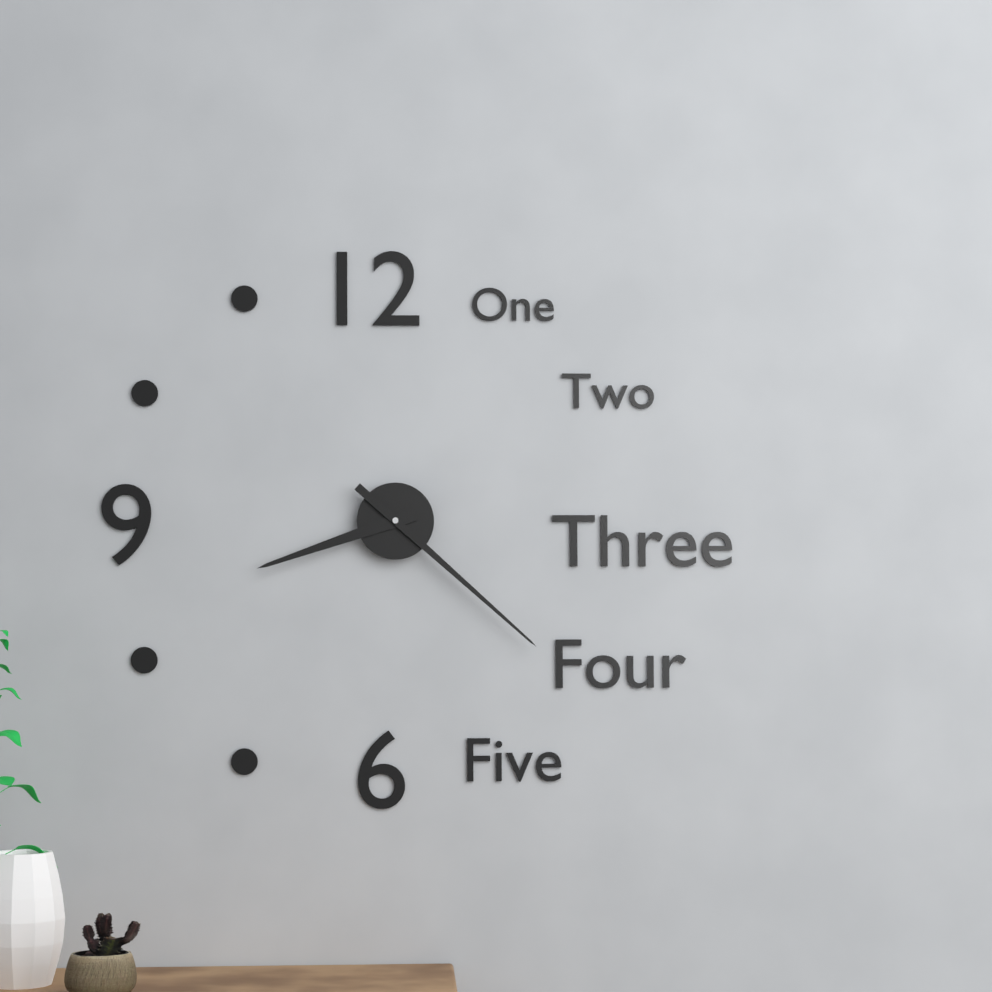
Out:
8.22
